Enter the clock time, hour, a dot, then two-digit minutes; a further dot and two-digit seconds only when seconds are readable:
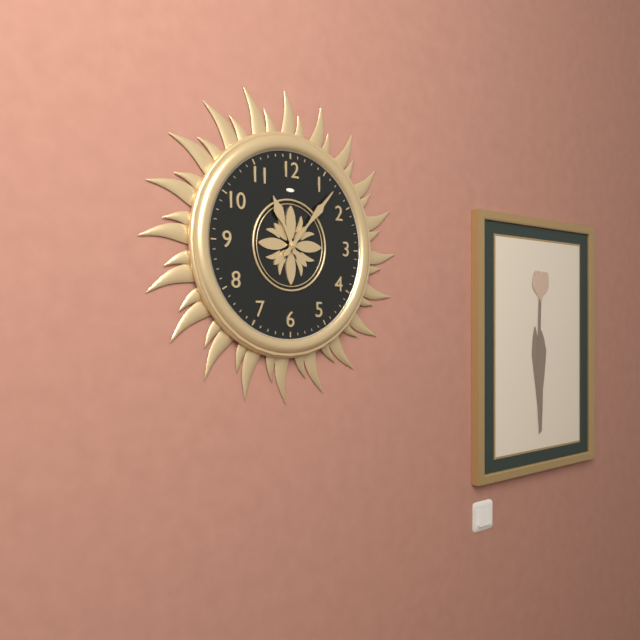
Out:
11.07
